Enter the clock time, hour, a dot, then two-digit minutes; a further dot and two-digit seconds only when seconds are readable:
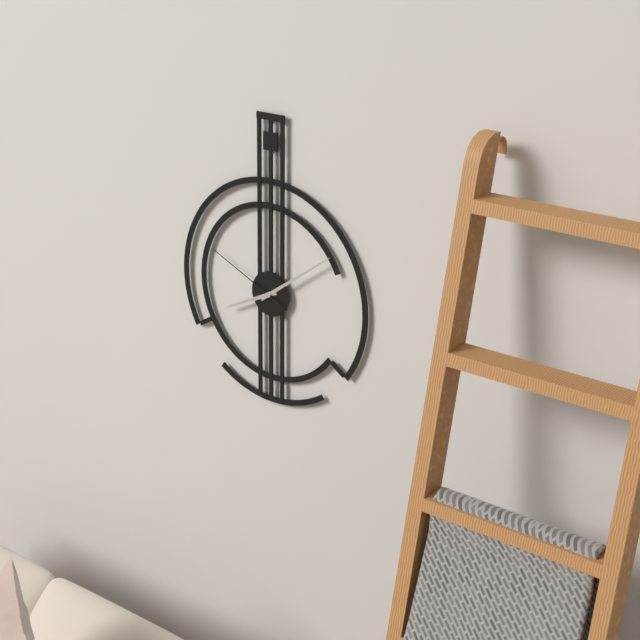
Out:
8.09.49
